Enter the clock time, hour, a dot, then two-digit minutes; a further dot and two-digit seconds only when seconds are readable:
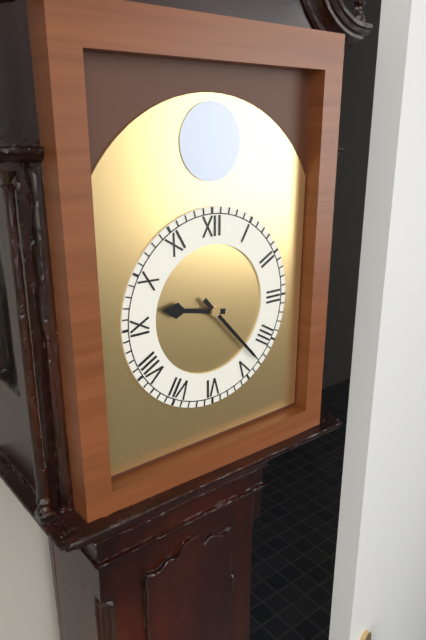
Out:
9.23
